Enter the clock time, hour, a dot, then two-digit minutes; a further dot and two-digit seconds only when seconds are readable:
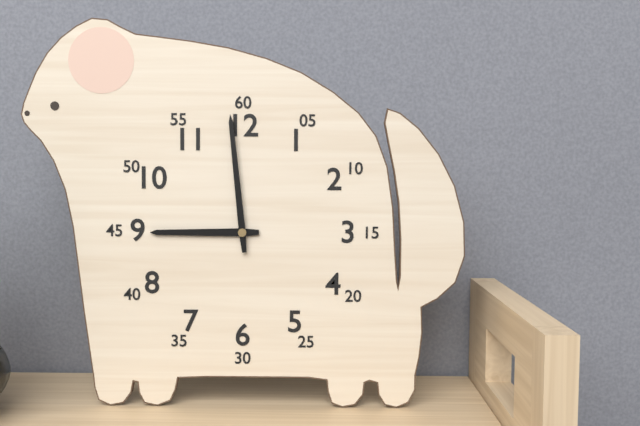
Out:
8.59
